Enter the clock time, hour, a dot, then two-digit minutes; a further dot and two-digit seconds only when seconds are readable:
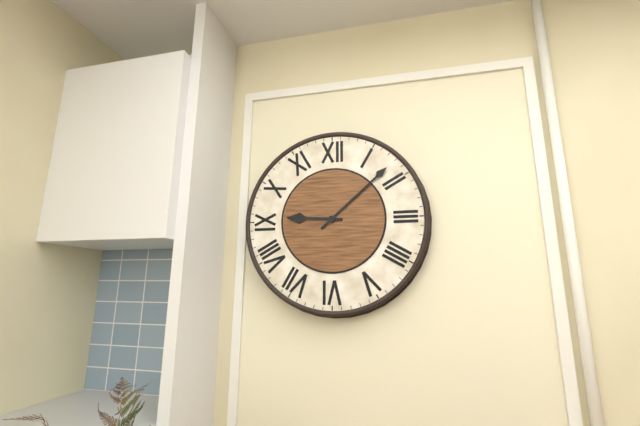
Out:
9.08
